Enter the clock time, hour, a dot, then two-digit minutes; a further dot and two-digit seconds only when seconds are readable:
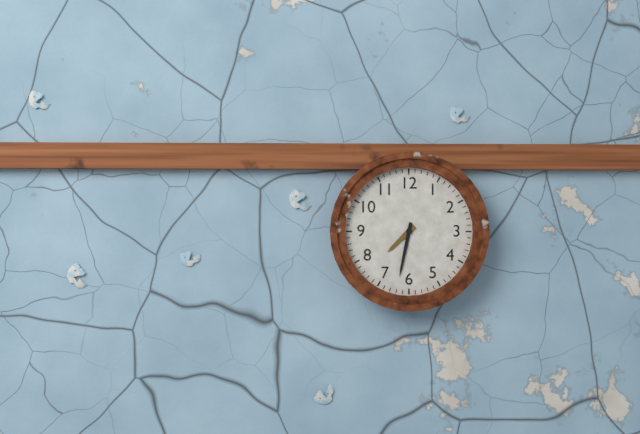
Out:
7.32
